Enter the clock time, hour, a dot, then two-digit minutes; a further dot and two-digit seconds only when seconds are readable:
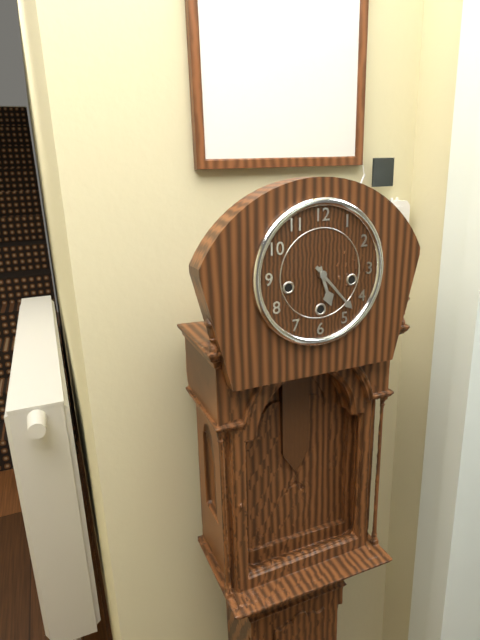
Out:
5.23
